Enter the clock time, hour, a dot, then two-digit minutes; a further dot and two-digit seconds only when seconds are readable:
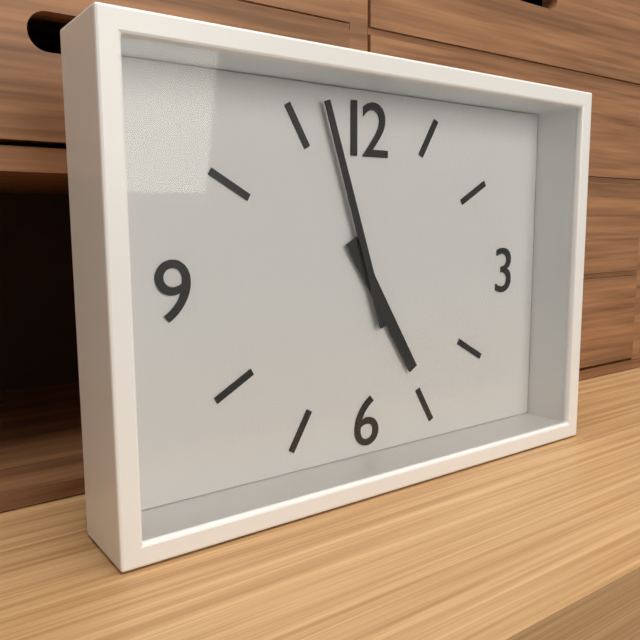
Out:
4.57
